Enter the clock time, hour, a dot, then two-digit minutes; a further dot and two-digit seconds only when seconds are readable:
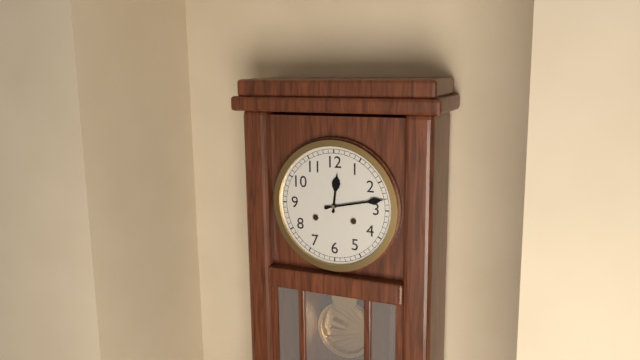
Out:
12.13
